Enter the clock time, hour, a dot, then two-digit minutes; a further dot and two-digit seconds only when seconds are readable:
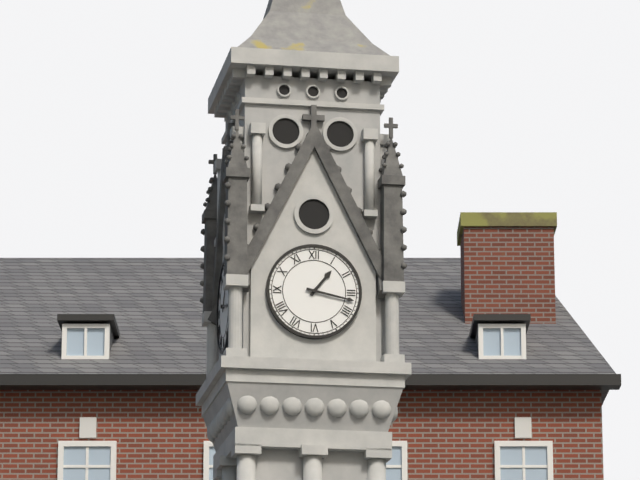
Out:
1.17
